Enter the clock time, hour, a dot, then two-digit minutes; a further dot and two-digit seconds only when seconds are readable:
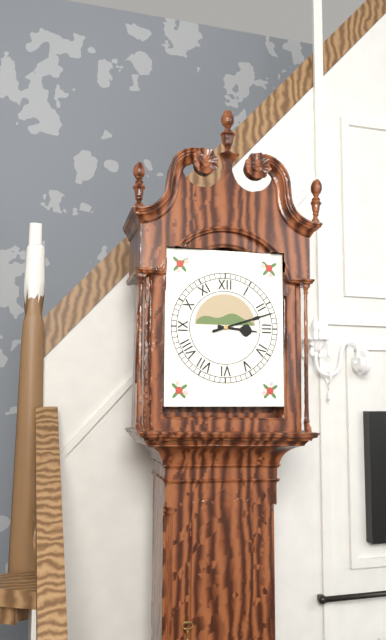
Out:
3.12
